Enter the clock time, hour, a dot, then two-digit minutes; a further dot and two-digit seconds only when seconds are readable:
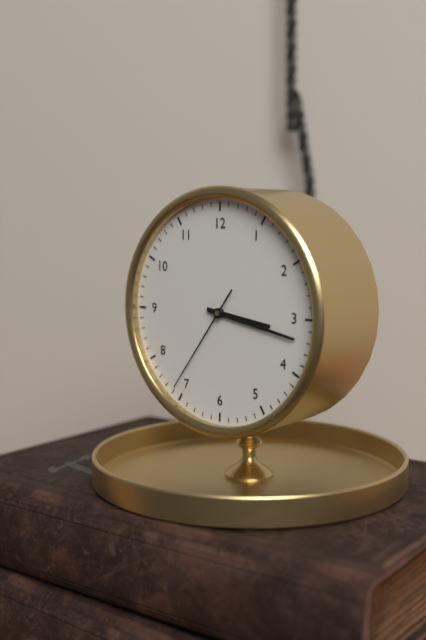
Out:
3.17.36
